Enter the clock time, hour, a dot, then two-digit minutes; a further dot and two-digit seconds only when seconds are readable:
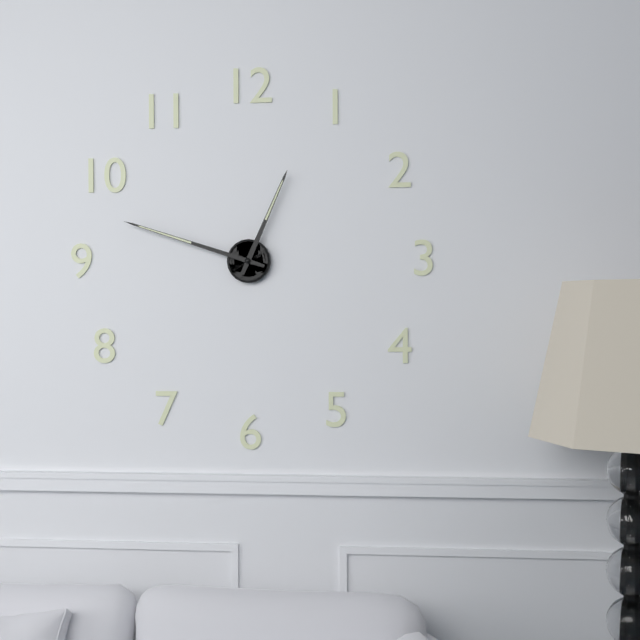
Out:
12.48
